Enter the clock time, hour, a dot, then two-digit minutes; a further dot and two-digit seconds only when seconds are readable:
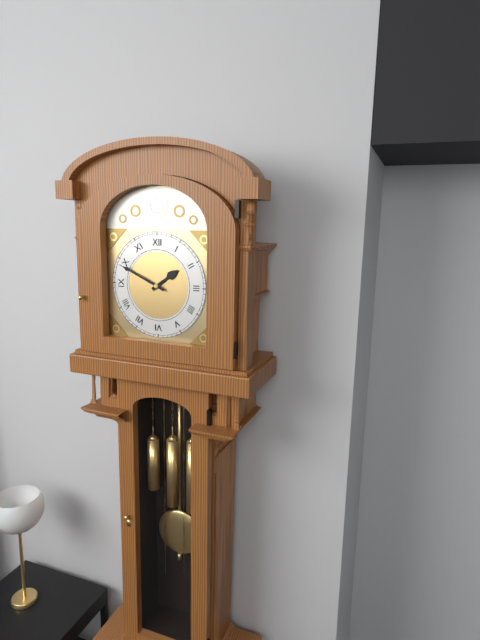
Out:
1.49
